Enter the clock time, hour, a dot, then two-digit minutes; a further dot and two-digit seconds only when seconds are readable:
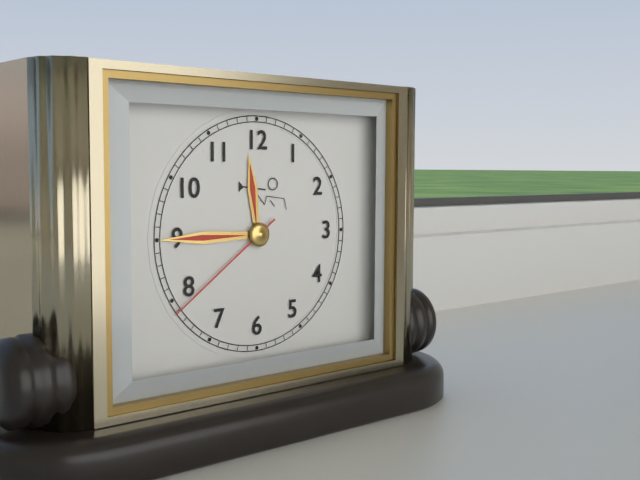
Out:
11.45.39
